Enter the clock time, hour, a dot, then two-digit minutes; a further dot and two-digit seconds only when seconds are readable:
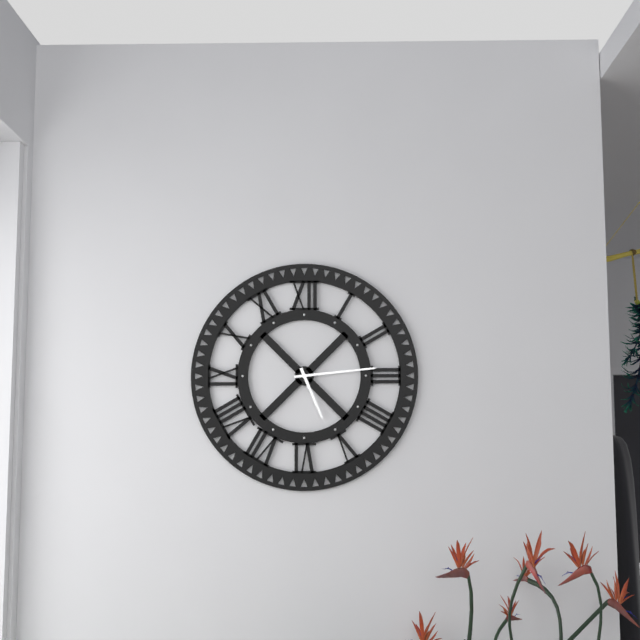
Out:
5.14
